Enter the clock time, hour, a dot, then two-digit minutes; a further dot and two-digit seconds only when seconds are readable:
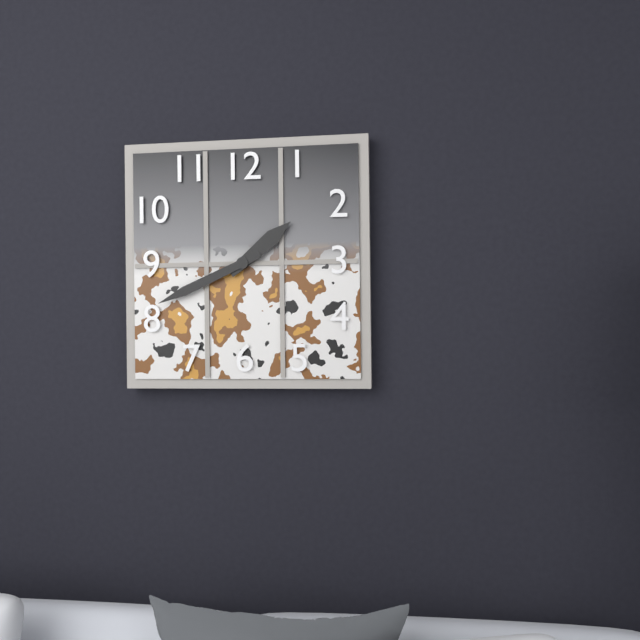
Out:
1.41
